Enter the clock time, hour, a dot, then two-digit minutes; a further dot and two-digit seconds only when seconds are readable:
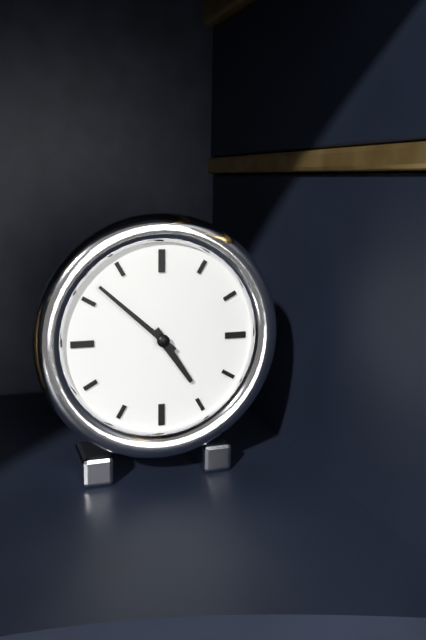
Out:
4.52
